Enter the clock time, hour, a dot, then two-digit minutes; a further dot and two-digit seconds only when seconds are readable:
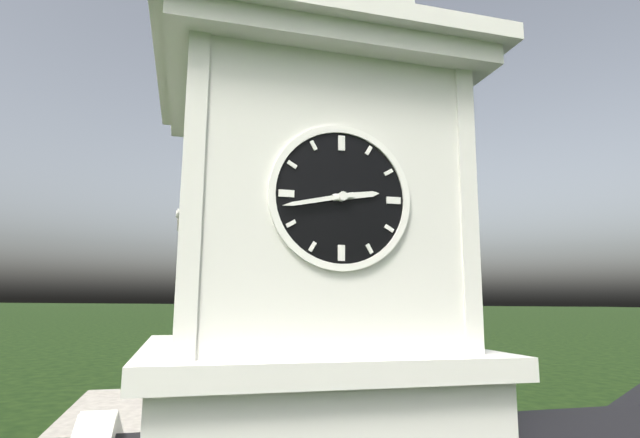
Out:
2.43
